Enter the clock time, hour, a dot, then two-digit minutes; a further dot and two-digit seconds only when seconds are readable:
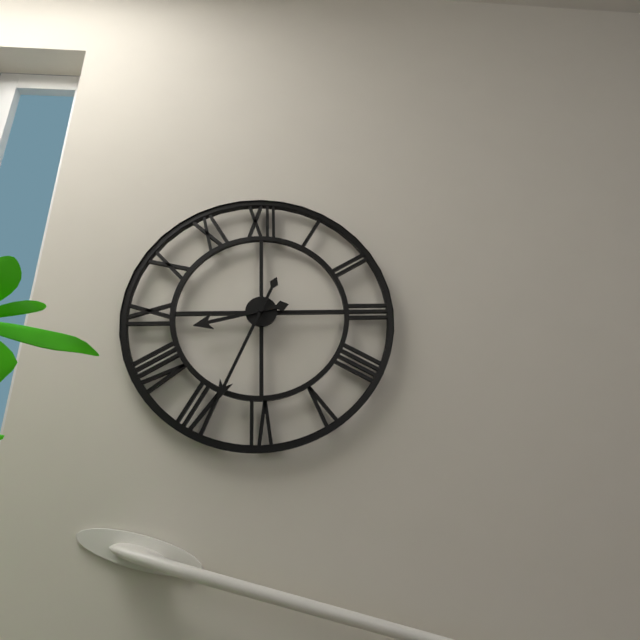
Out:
8.34
